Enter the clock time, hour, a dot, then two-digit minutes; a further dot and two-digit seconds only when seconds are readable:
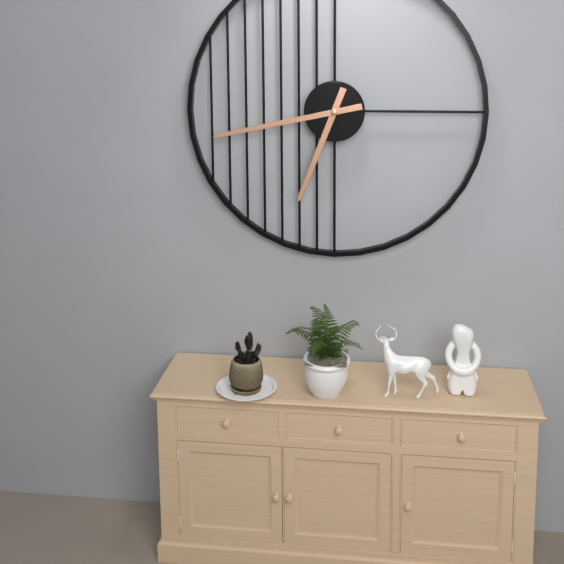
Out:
6.43
